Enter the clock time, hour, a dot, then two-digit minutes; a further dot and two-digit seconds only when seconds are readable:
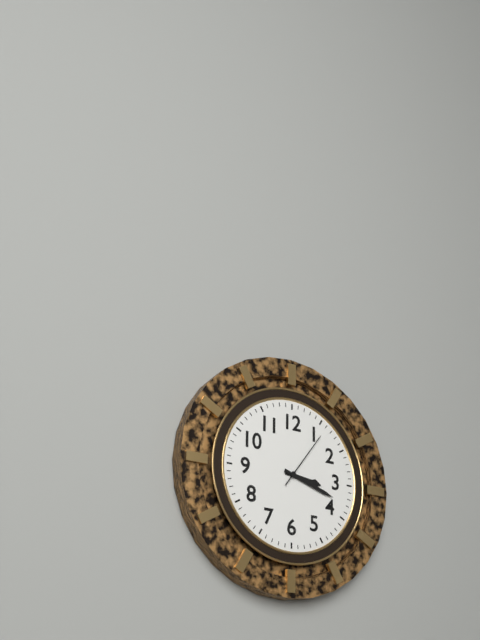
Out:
3.18.06
